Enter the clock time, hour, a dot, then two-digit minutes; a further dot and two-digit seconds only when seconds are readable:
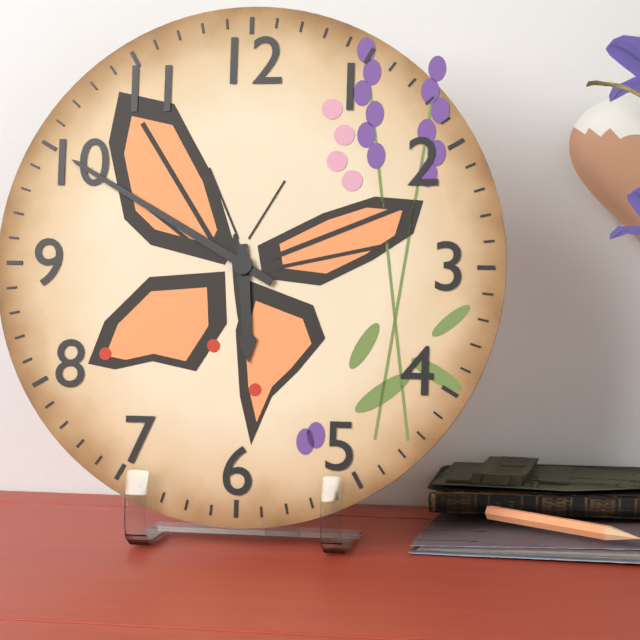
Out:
5.50
